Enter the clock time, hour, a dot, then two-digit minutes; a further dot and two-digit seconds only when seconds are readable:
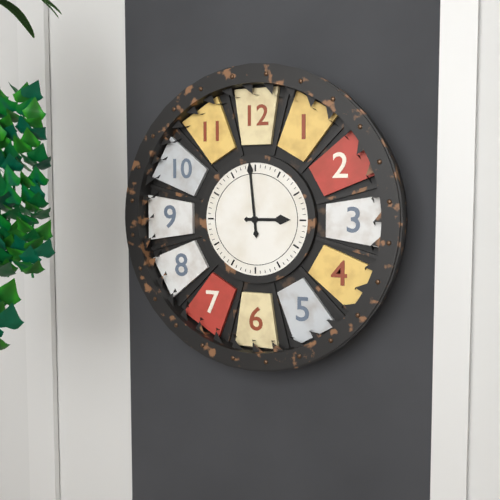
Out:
2.59
